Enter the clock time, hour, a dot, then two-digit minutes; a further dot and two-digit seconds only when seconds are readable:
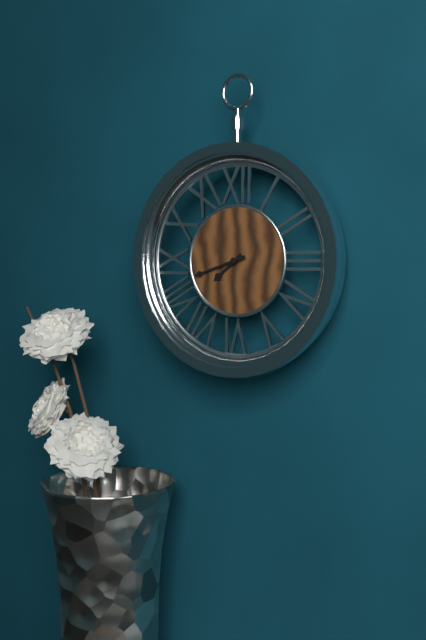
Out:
7.42
